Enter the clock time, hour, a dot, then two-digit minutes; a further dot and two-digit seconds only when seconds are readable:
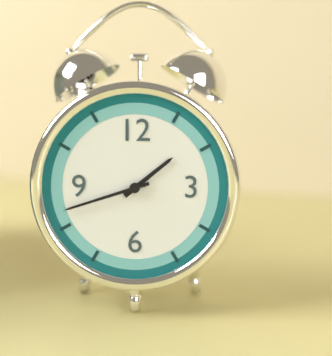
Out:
1.42
